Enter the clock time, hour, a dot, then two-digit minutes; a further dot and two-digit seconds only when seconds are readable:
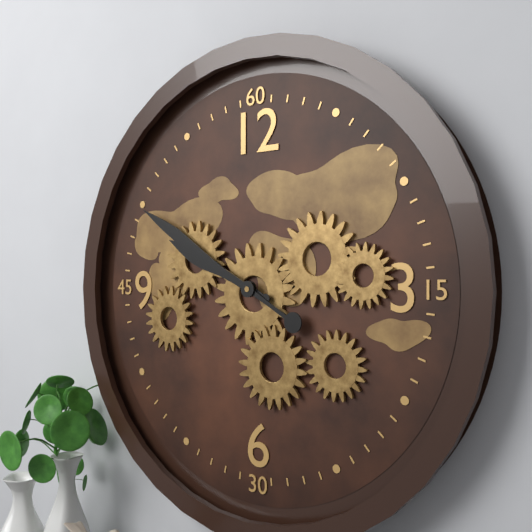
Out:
9.50
